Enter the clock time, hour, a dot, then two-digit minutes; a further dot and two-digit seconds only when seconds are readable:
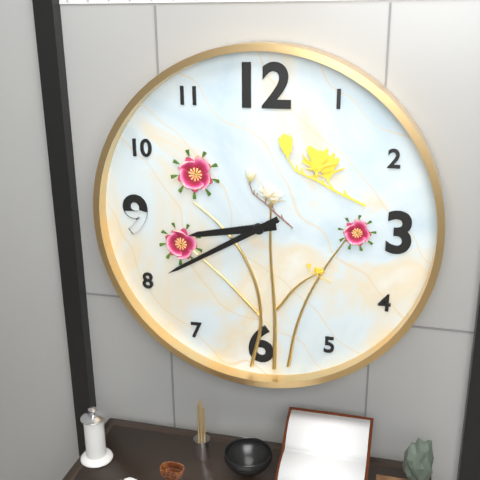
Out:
8.40
